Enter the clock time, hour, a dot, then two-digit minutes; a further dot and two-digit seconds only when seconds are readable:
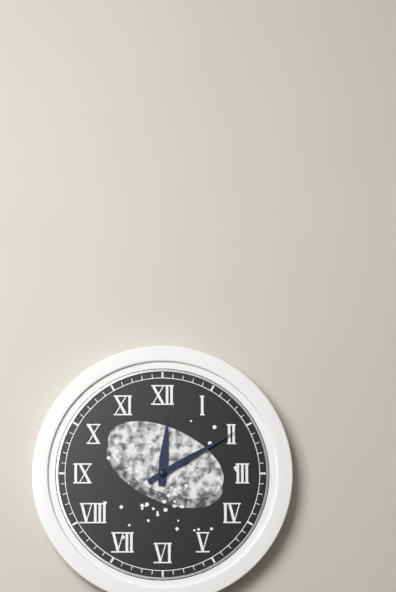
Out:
12.10
